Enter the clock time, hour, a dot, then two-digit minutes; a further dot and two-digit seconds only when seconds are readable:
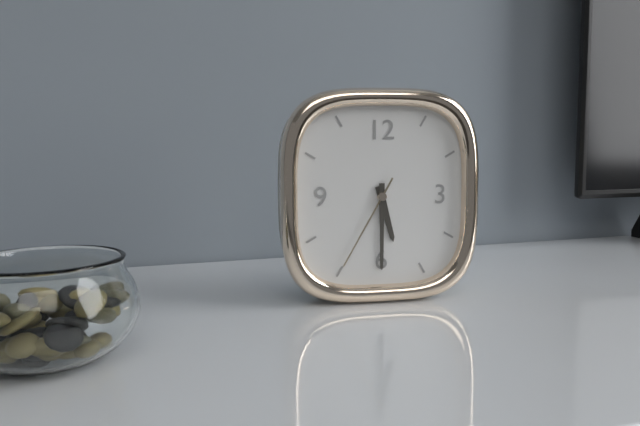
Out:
5.30.35
